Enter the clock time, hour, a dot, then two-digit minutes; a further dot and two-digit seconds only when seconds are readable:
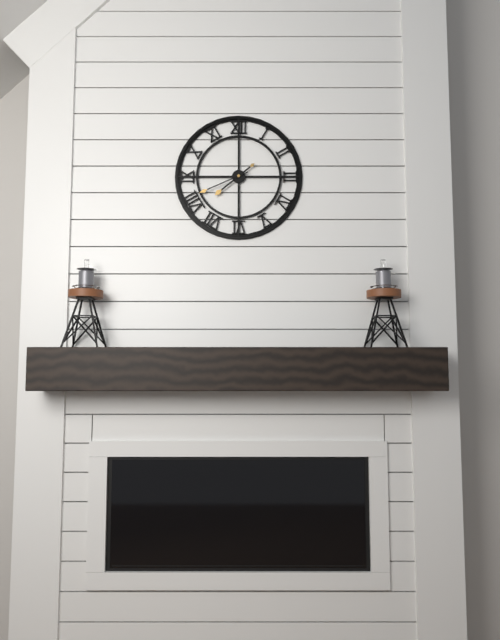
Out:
7.41
